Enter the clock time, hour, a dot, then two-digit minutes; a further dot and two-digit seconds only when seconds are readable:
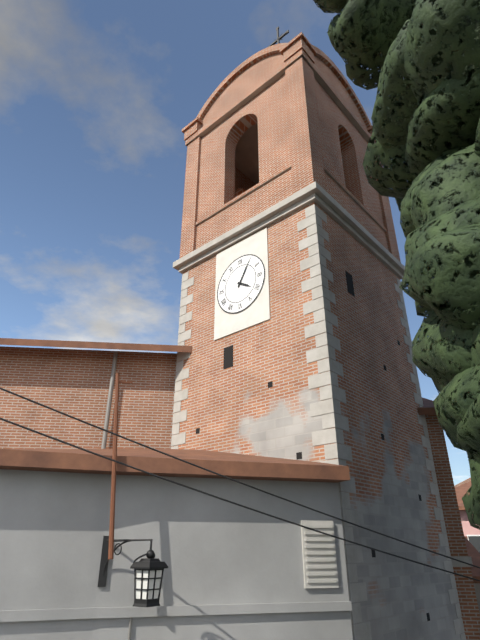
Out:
4.05
